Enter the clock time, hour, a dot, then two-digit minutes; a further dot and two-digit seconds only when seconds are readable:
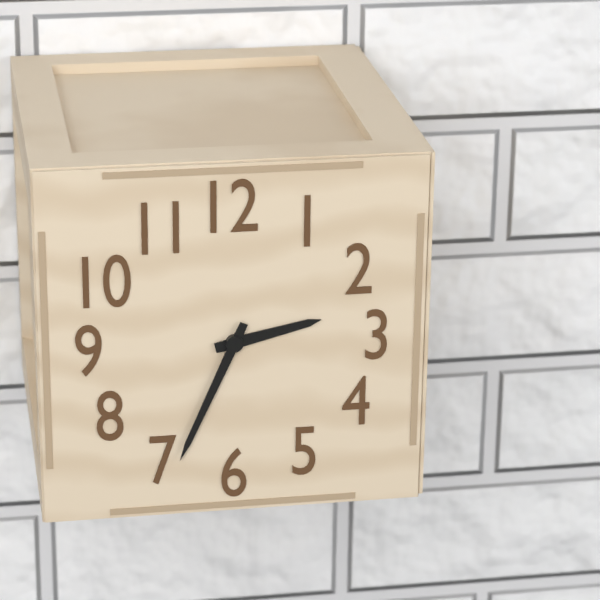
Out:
2.34
